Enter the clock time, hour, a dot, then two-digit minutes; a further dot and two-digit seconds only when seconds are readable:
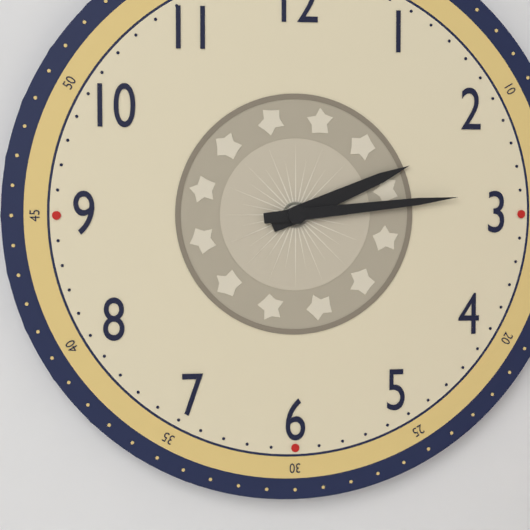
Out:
2.14
